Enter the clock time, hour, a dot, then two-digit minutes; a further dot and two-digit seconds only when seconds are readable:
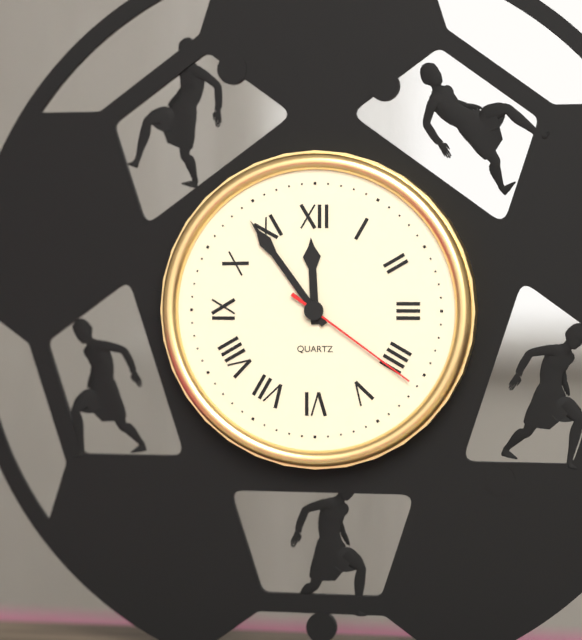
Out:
11.54.21
